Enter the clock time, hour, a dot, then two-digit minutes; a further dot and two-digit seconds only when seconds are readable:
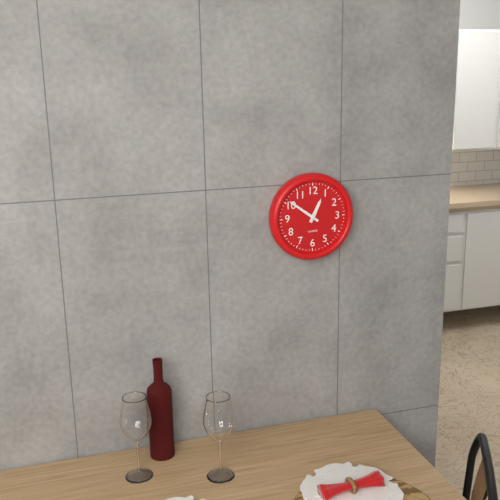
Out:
12.51
